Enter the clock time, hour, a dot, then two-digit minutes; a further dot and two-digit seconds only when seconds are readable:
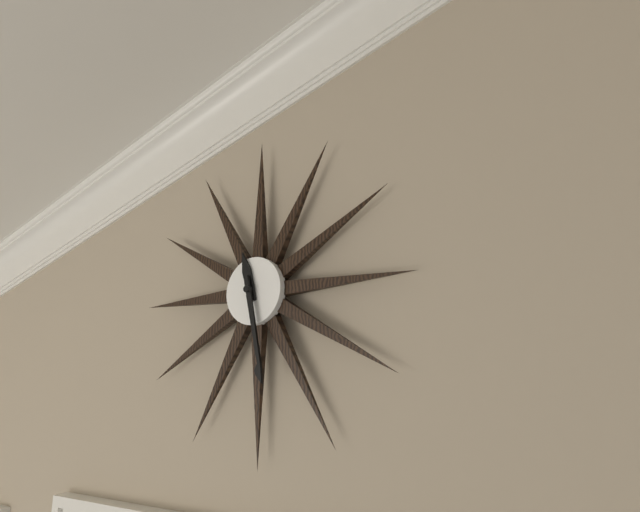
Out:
11.28
